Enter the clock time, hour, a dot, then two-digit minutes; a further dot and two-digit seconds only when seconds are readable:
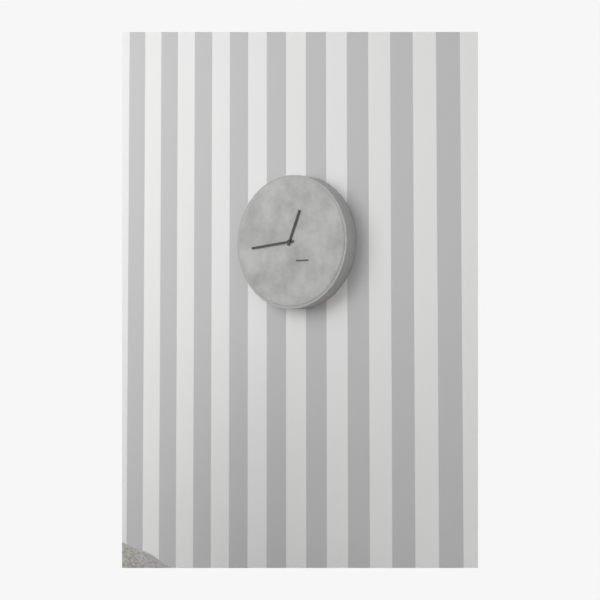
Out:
12.44
